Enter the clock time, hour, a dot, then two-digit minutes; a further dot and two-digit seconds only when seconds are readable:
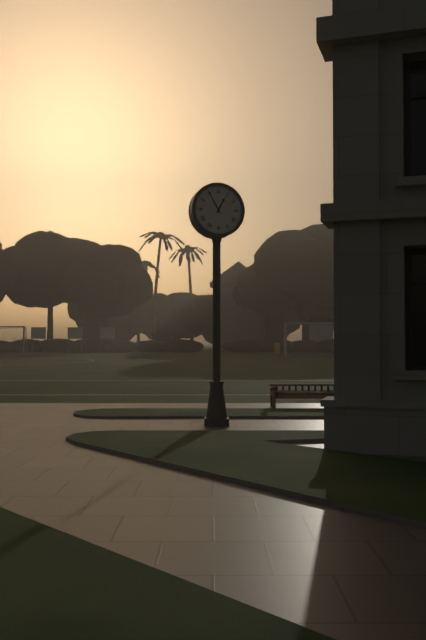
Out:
12.55
